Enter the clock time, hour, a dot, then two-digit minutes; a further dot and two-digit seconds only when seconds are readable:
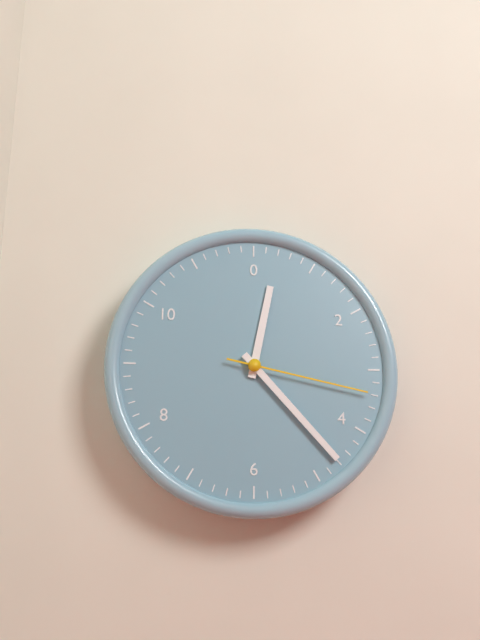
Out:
12.23.17
